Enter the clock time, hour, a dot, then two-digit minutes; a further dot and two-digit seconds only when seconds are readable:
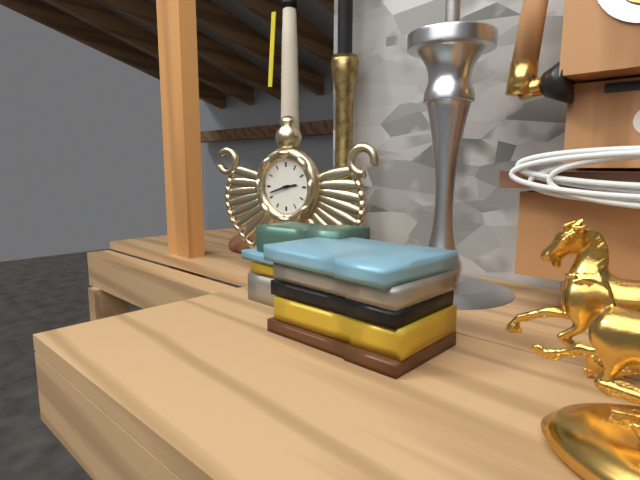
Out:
2.42
